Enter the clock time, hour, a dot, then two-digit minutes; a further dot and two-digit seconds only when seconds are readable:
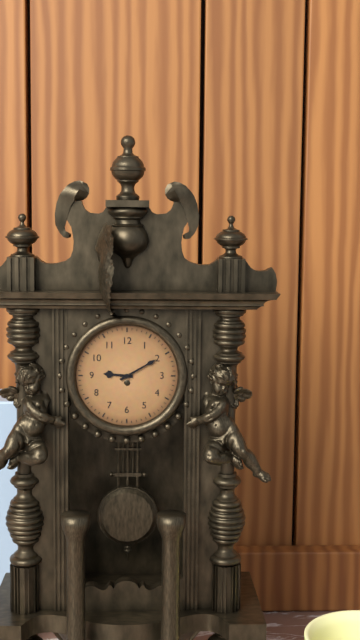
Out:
9.10
